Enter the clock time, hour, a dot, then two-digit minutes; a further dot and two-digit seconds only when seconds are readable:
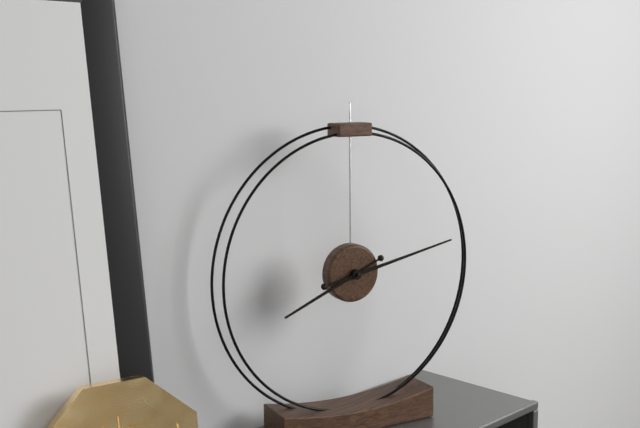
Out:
8.13
